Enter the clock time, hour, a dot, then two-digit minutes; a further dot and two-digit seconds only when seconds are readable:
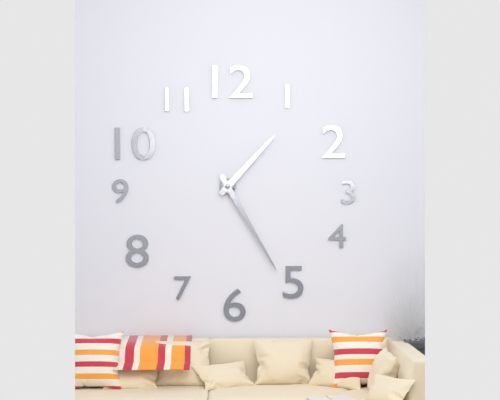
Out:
1.25
